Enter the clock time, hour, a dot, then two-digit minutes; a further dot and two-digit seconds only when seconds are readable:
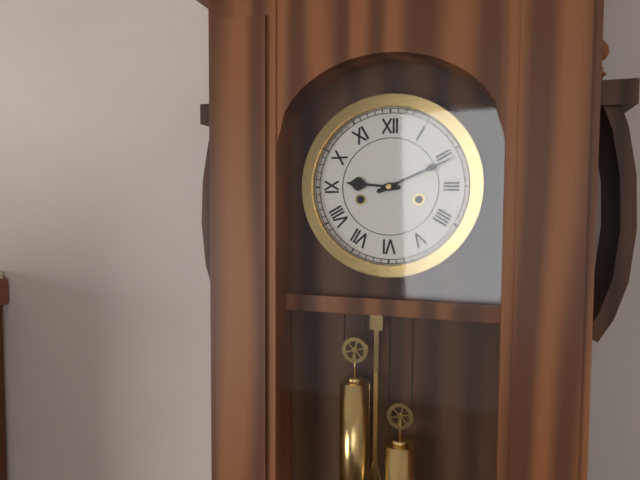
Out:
9.11
